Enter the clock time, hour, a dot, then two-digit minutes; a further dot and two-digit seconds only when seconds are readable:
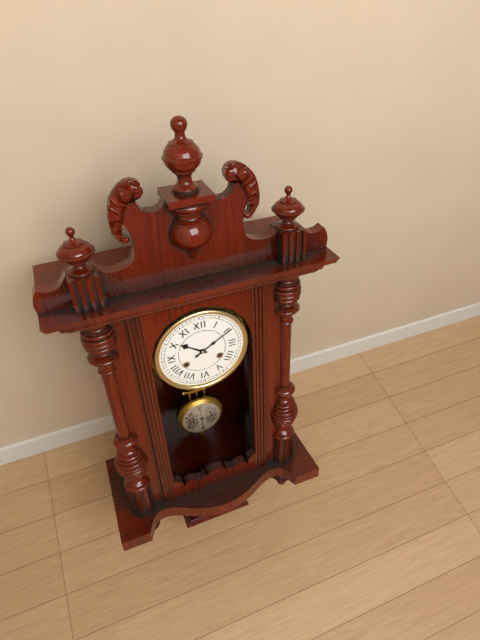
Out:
10.10
